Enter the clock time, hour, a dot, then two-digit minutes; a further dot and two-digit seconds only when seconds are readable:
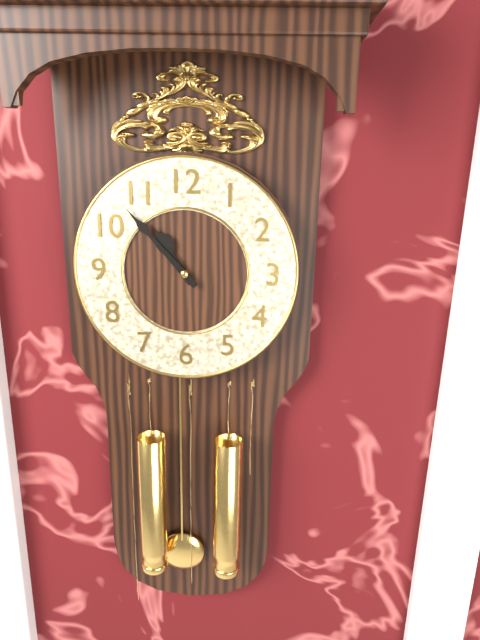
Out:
10.53
